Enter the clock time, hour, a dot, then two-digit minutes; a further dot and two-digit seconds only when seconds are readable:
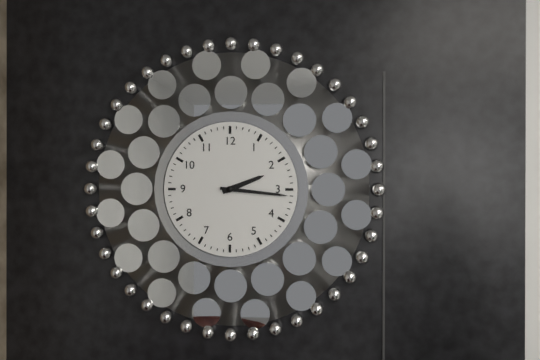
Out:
2.16
